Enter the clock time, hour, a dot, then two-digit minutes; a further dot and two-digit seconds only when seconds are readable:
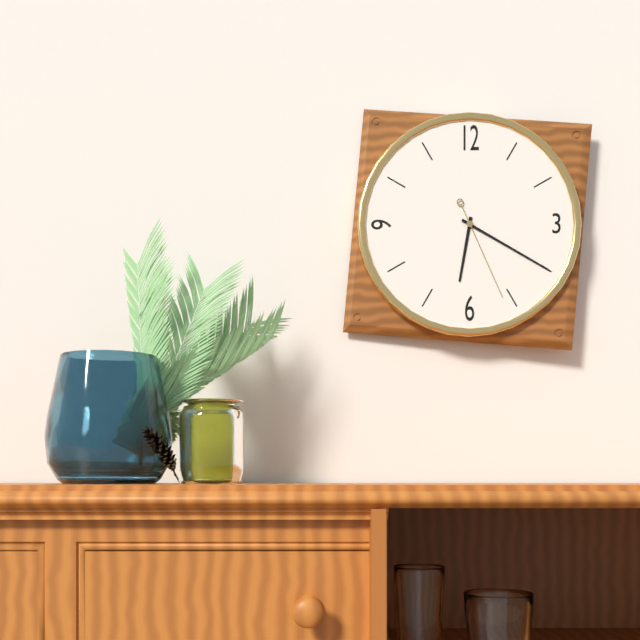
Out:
6.20.26
